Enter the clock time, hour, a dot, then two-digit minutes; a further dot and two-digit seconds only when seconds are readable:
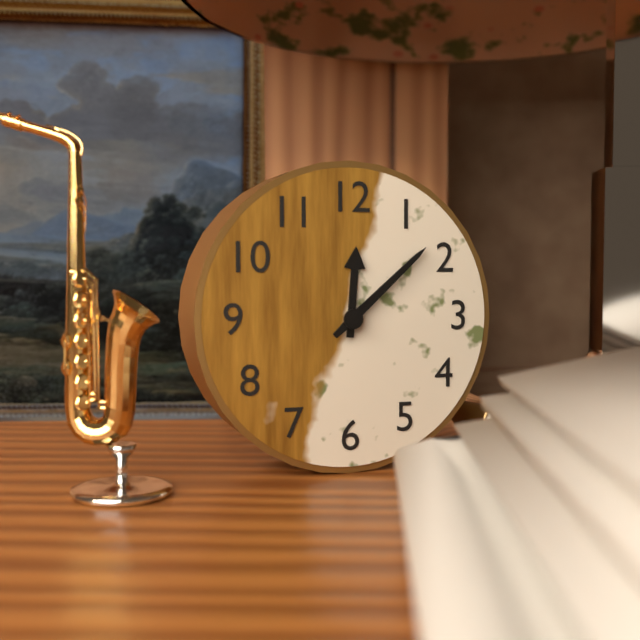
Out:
12.08
